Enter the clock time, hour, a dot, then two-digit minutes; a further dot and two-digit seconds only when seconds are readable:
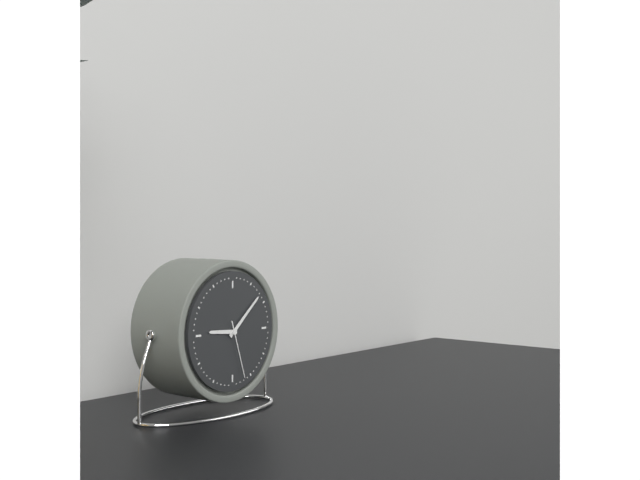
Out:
9.08.27
